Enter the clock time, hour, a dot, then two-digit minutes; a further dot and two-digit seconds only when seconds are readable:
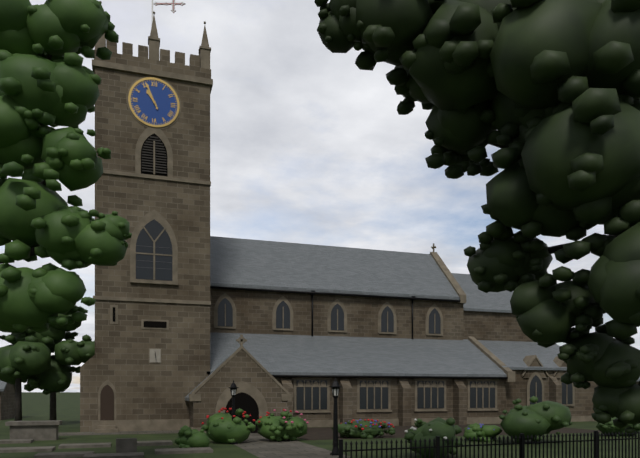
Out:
10.56
